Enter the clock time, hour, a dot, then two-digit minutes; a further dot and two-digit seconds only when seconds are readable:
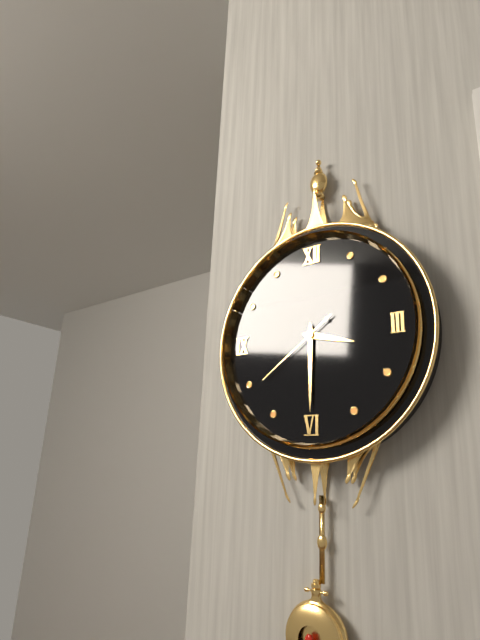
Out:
3.30.39
